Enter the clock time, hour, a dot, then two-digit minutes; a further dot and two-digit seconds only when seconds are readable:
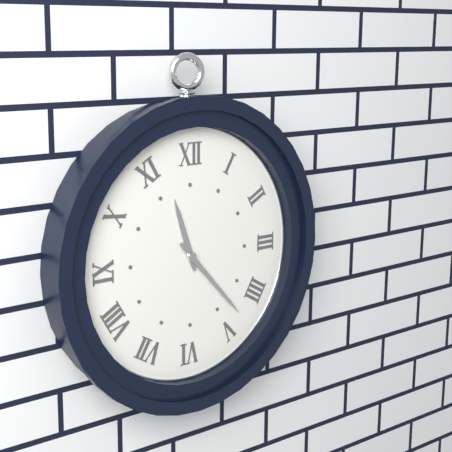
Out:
11.23
